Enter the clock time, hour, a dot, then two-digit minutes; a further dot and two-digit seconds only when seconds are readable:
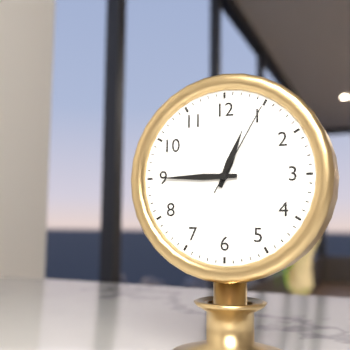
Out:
12.45.05
